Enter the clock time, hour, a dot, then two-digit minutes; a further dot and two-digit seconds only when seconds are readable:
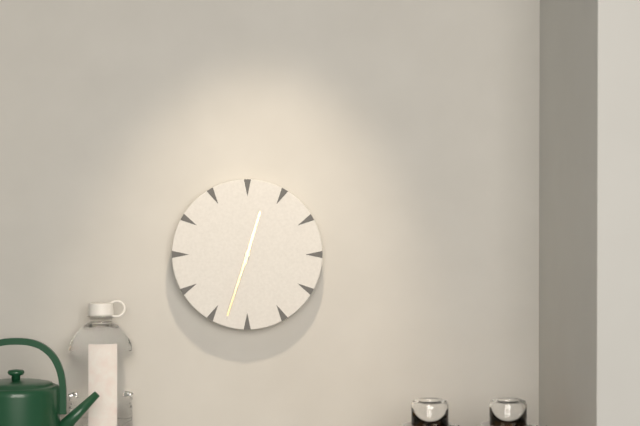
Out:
12.33
